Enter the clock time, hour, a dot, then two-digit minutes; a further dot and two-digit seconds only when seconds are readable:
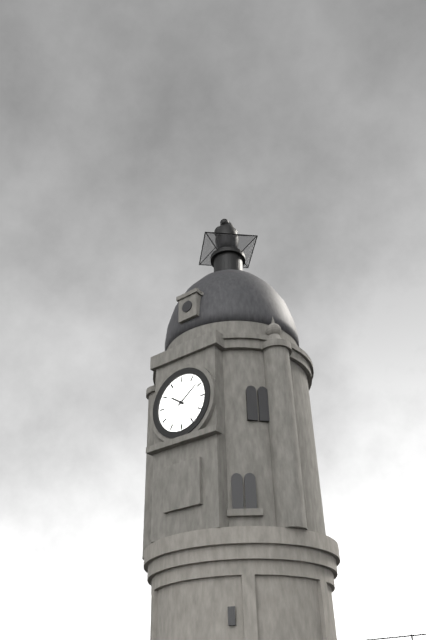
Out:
10.09
